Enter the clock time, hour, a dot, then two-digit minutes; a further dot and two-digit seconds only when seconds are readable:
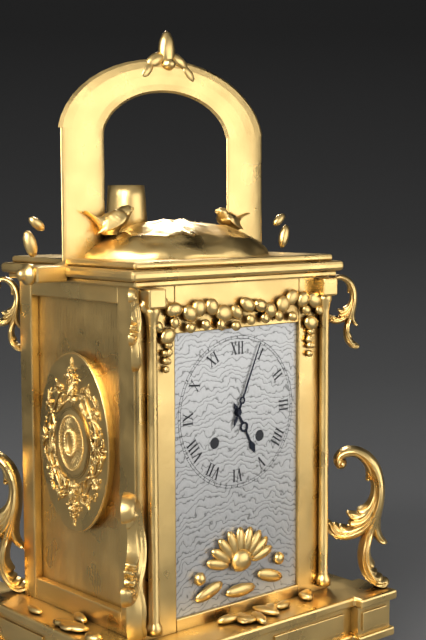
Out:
5.04
